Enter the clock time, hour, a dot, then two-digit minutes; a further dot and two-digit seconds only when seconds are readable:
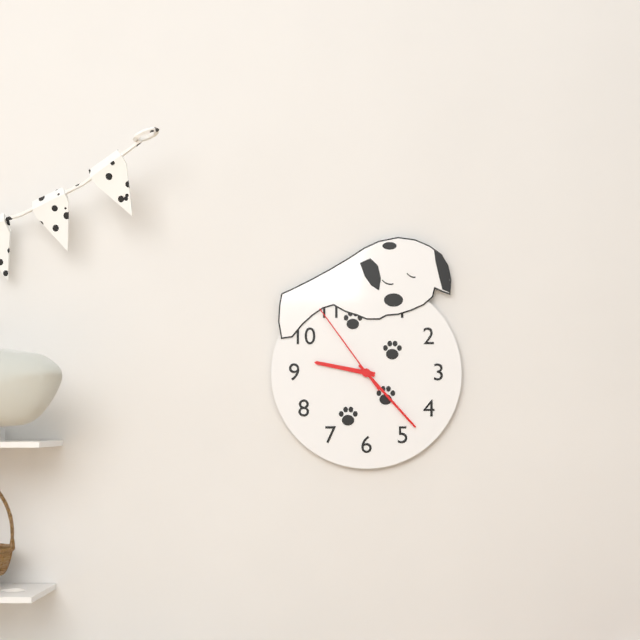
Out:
9.23.54
